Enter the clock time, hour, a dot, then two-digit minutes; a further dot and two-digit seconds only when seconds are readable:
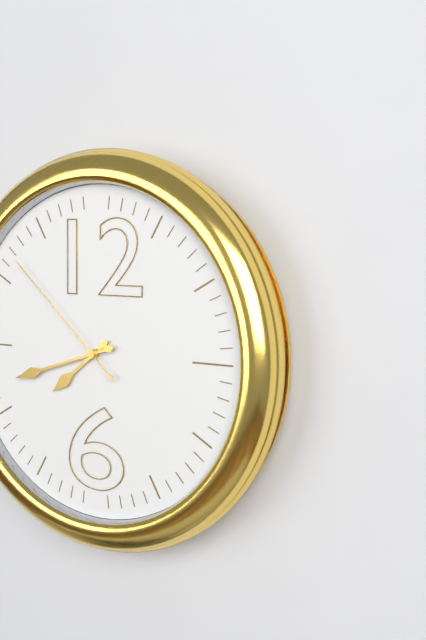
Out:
7.42.52
